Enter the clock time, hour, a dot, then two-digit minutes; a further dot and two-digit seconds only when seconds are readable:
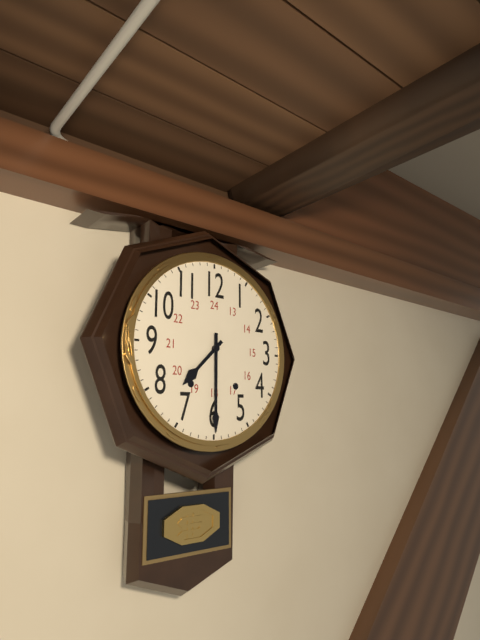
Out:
7.30
